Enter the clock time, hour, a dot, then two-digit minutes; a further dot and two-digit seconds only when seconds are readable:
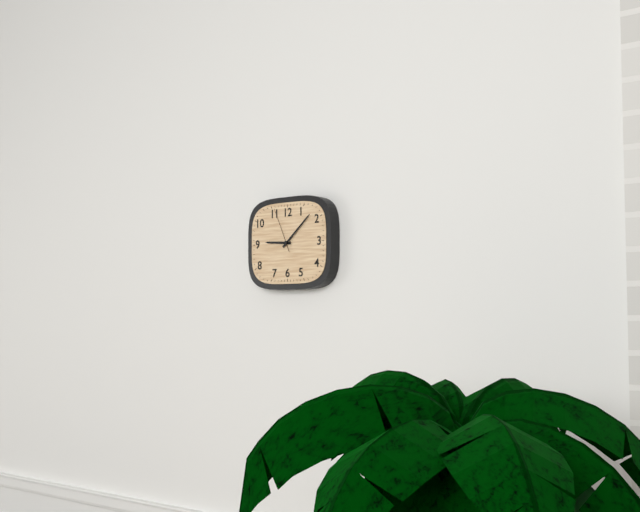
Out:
9.08.56
